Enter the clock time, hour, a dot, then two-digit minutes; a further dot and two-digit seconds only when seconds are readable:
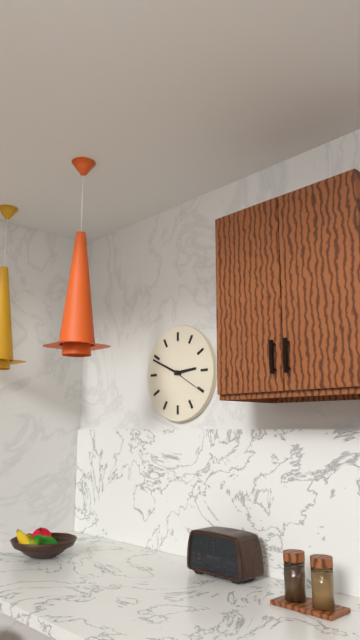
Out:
2.49
